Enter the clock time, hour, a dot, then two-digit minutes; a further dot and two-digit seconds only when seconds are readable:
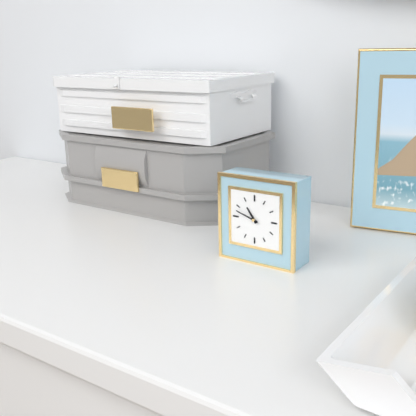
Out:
10.48
